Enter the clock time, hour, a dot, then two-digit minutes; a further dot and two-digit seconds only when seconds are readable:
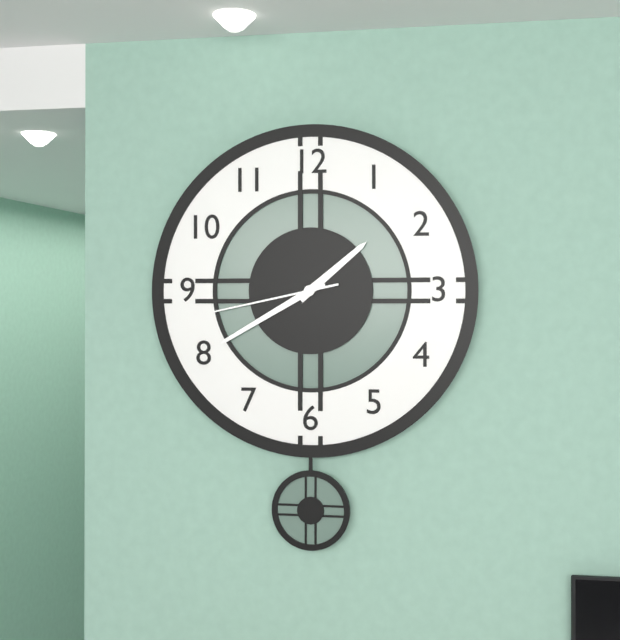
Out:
1.40.43
